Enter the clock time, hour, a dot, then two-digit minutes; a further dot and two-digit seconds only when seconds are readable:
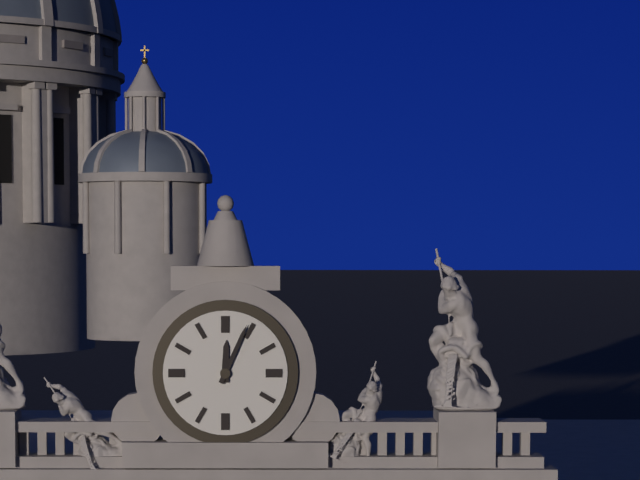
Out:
12.04
